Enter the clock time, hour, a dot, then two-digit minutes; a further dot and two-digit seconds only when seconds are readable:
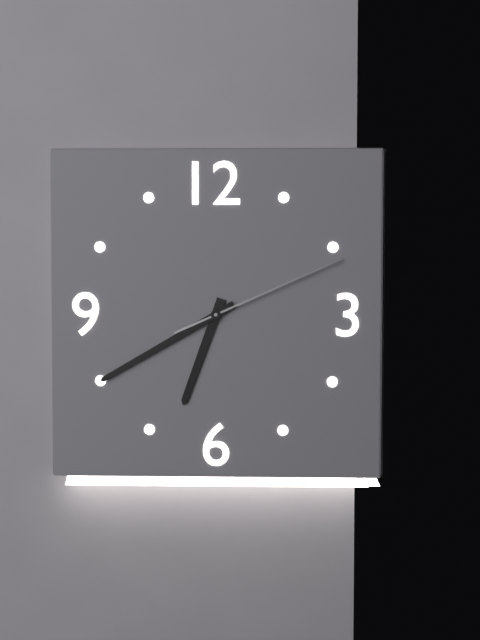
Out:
6.40.11
